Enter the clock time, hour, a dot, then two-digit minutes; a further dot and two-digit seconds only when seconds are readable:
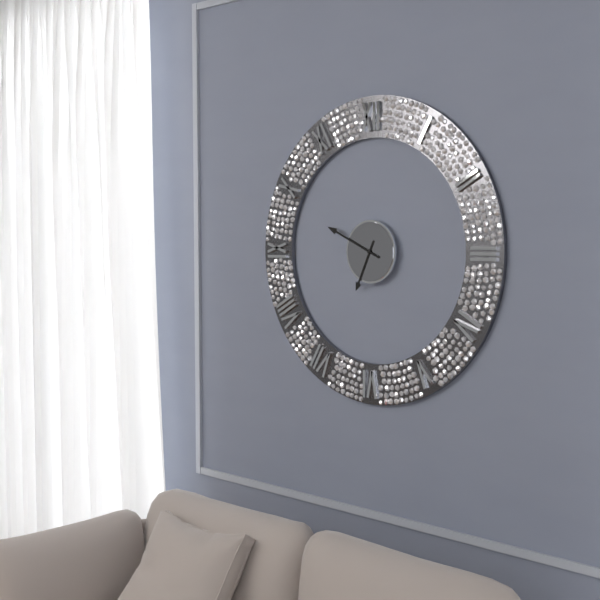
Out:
6.49
